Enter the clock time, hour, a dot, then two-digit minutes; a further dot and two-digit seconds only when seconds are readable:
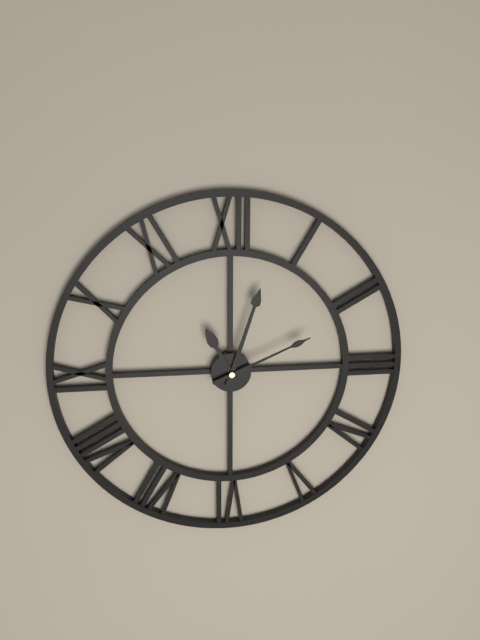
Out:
11.03.11
